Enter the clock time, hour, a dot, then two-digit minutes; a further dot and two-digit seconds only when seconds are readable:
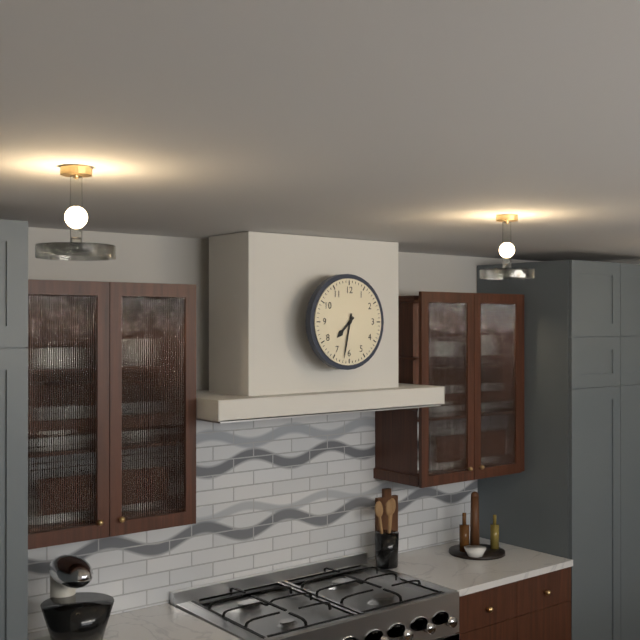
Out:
7.32
